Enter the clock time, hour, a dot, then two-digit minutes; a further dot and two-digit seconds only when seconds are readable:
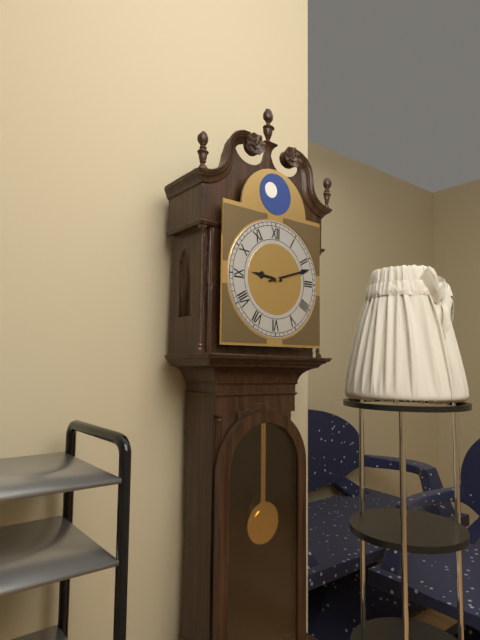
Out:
9.12
